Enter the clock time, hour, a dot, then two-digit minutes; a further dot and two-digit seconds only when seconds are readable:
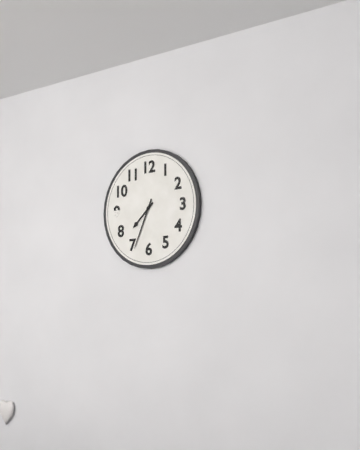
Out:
7.34
